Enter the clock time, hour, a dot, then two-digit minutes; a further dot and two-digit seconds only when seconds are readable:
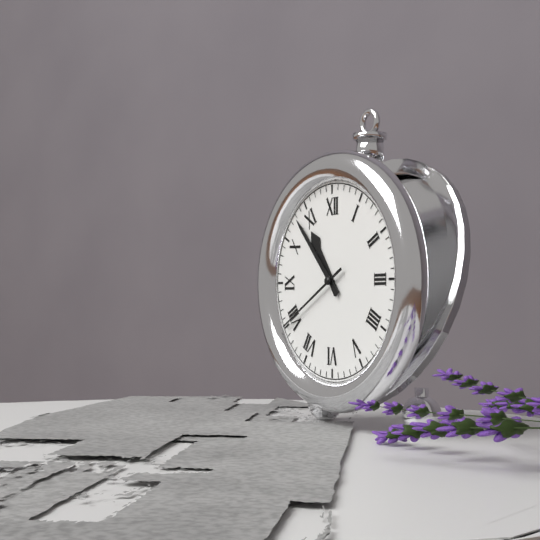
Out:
10.53.40
